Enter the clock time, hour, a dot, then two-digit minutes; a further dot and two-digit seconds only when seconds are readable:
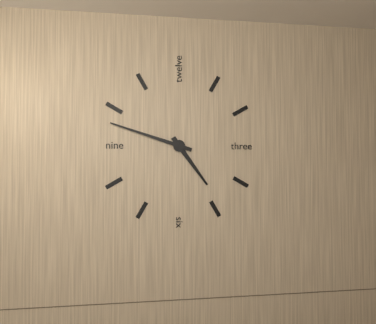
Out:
4.48
